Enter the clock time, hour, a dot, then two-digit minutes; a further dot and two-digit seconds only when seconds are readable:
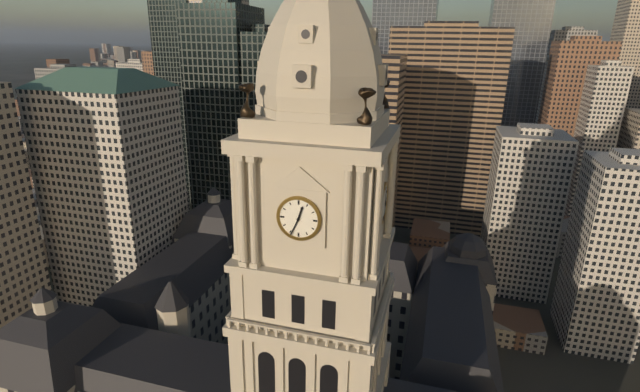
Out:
12.34
